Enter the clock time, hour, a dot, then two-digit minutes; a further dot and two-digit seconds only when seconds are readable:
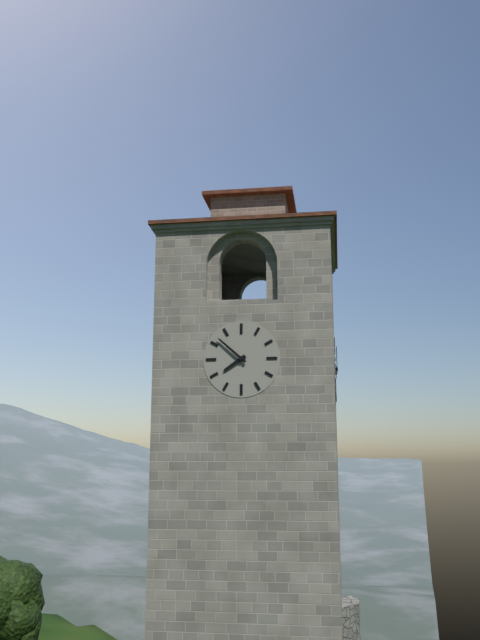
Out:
7.52
